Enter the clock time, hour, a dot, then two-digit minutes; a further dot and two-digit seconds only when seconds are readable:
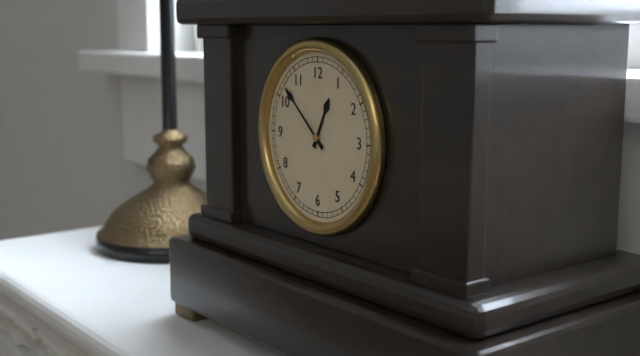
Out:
12.52
